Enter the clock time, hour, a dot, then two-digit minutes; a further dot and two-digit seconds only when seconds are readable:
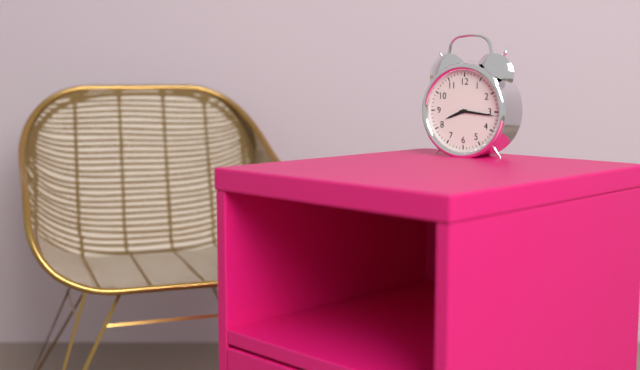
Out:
8.16
